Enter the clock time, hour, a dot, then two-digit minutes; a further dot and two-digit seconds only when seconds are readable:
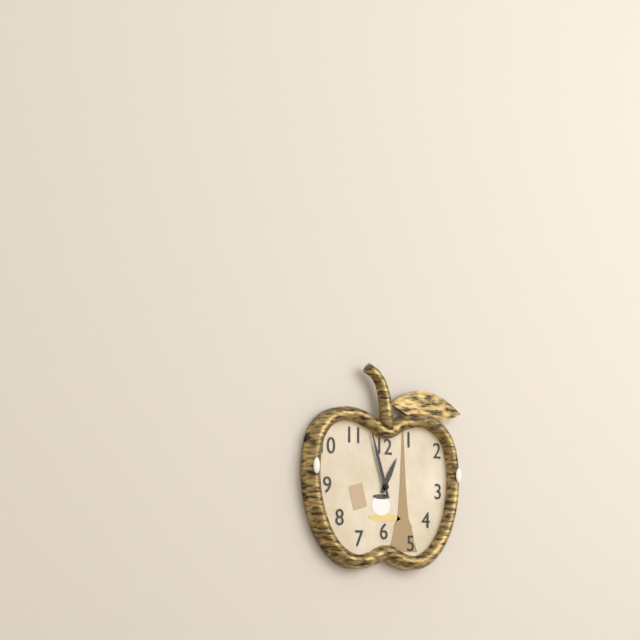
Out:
12.57
